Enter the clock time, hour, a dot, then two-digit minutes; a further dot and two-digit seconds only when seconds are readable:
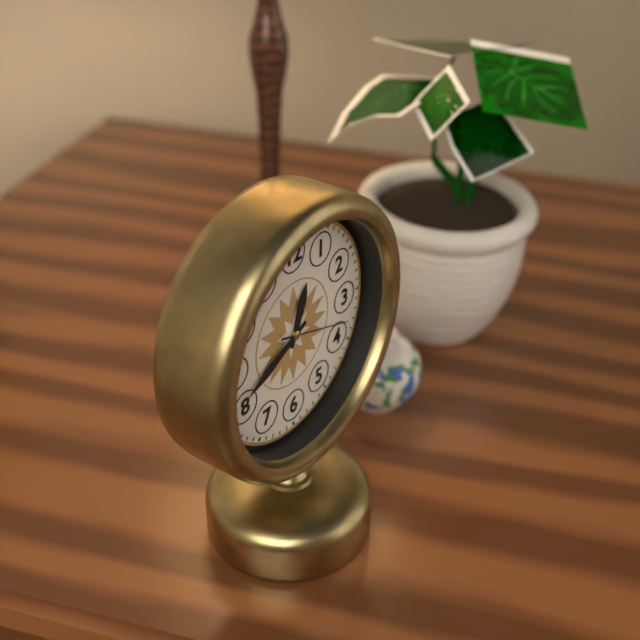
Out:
12.41.18
